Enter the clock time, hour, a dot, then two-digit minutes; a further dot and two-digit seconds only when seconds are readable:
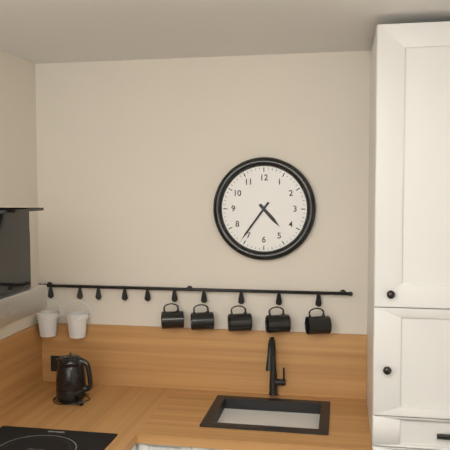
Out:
4.36
